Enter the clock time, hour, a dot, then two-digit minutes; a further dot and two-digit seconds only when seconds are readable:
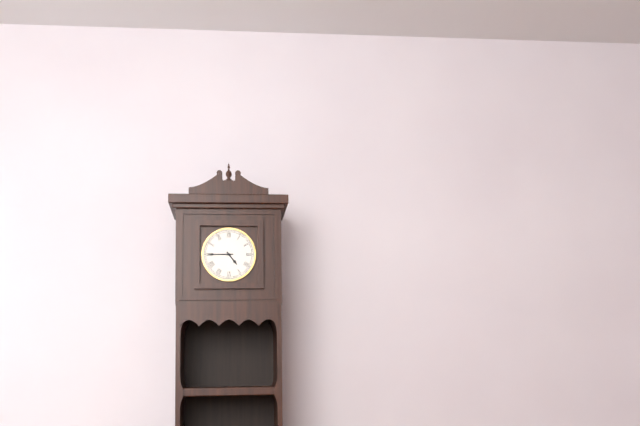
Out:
4.45
